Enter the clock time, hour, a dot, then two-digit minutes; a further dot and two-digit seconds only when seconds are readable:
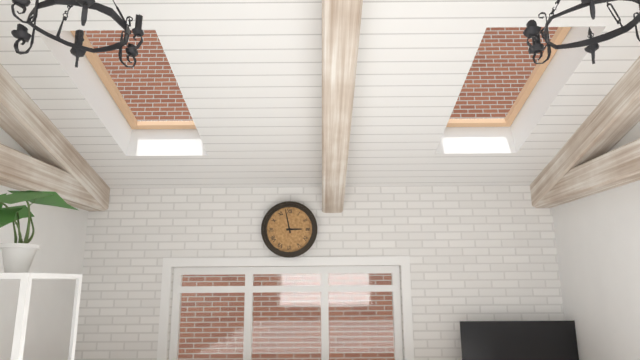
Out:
2.58
